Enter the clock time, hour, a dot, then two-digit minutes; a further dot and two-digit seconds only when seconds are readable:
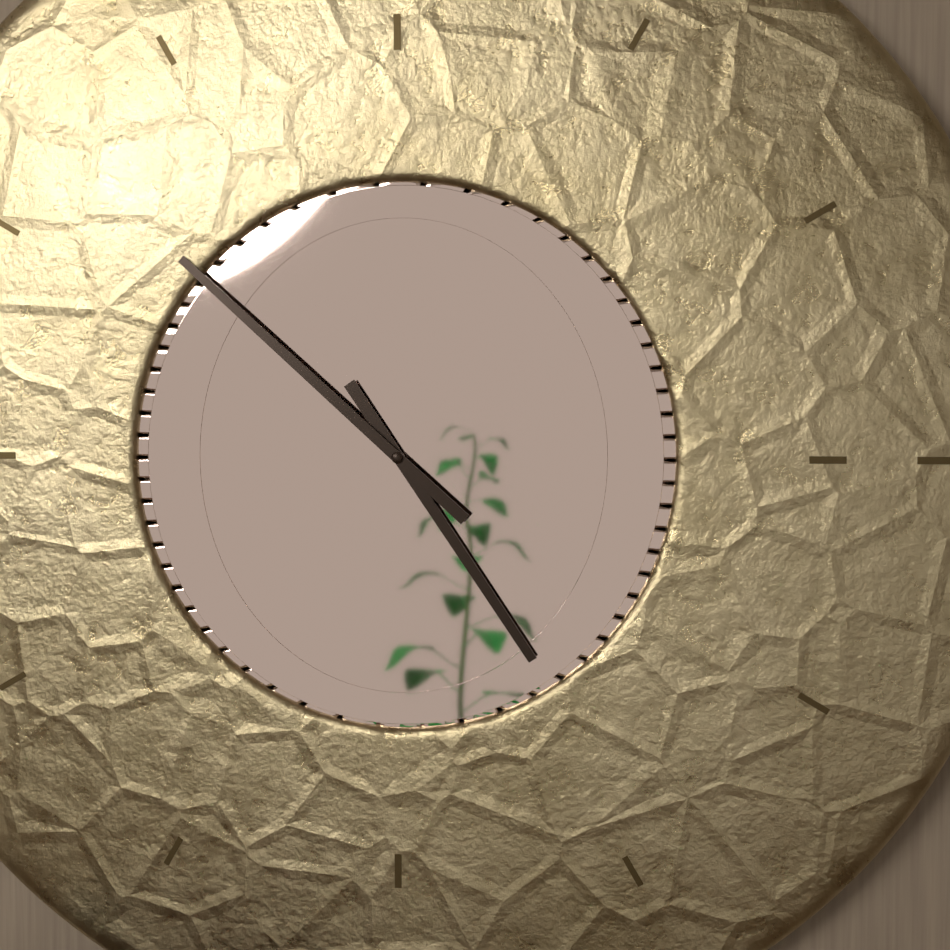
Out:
4.52
